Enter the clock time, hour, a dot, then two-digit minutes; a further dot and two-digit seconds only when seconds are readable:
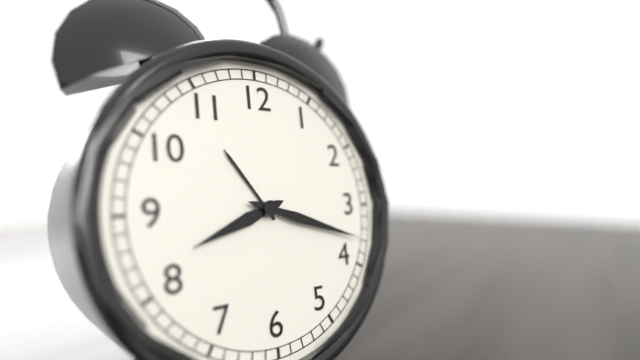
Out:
8.18
